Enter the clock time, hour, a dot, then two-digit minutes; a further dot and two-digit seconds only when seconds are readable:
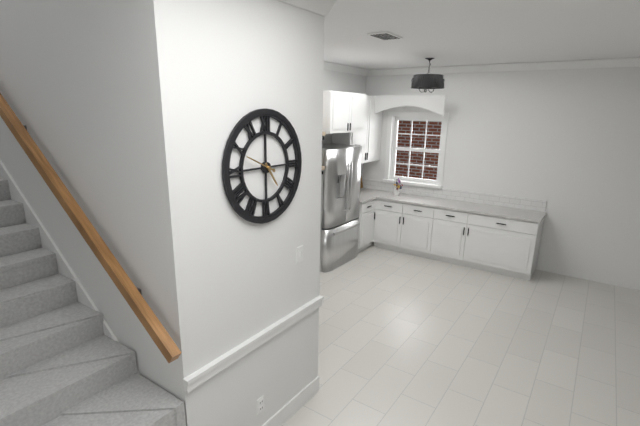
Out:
4.49
